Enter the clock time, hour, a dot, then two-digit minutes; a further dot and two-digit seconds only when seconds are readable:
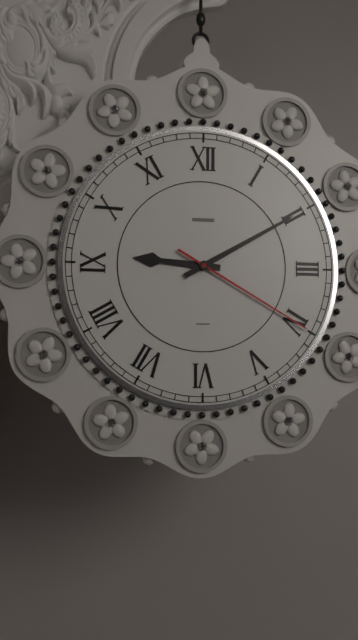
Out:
9.10.20
